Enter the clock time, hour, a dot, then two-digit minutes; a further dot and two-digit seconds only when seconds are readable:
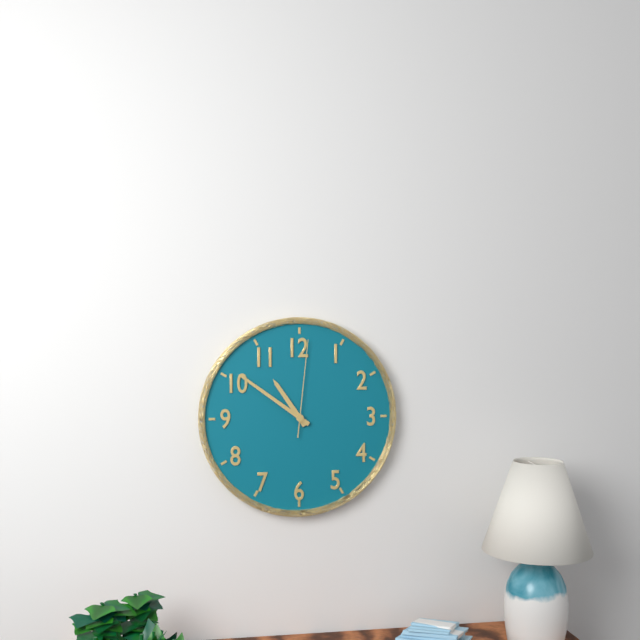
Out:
10.51.01
